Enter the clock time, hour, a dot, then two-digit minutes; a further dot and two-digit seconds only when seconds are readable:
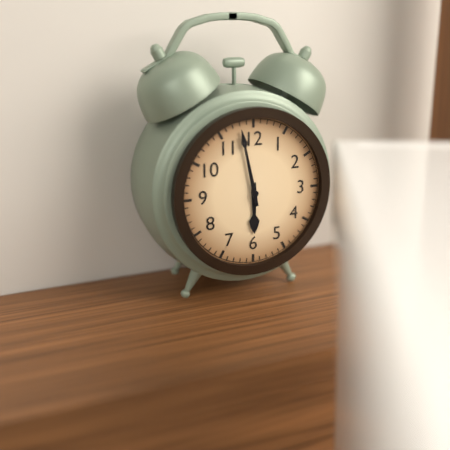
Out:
5.58
